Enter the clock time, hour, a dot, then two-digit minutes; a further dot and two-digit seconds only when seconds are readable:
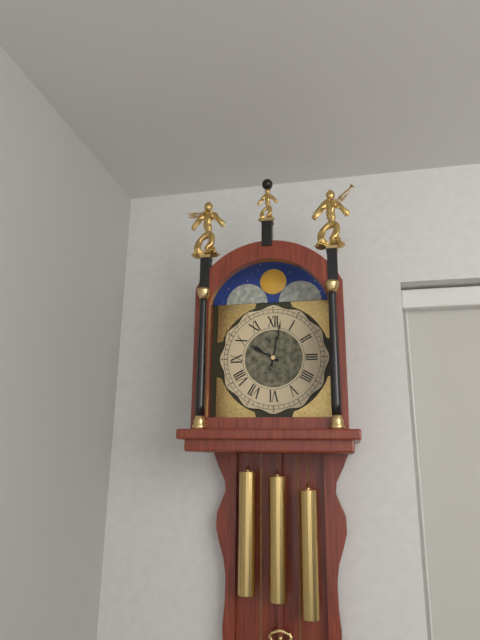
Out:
10.02
